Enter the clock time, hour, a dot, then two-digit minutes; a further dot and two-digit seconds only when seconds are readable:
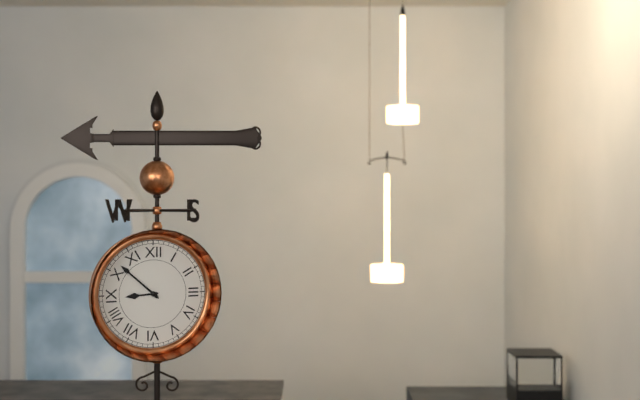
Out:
8.52
